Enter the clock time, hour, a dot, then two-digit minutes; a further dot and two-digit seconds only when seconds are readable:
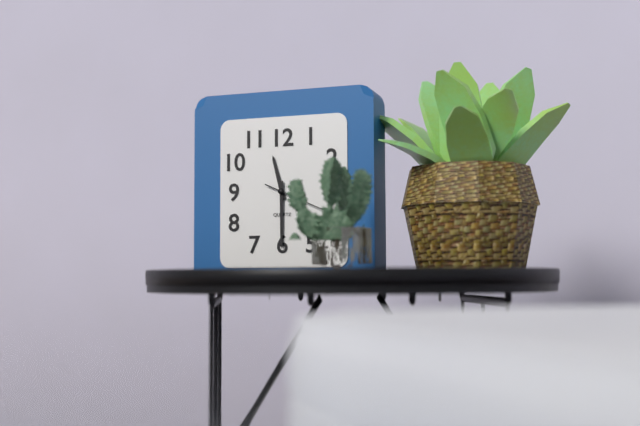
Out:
11.30.19
